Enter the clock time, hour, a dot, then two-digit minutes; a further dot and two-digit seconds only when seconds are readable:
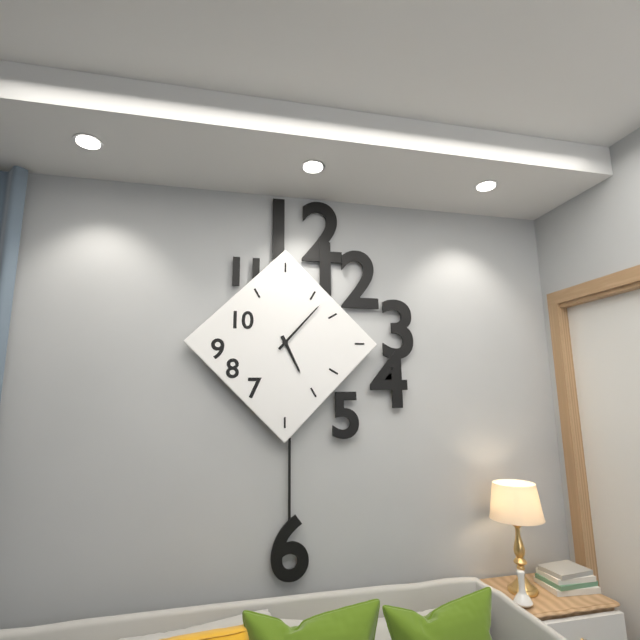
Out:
5.07
